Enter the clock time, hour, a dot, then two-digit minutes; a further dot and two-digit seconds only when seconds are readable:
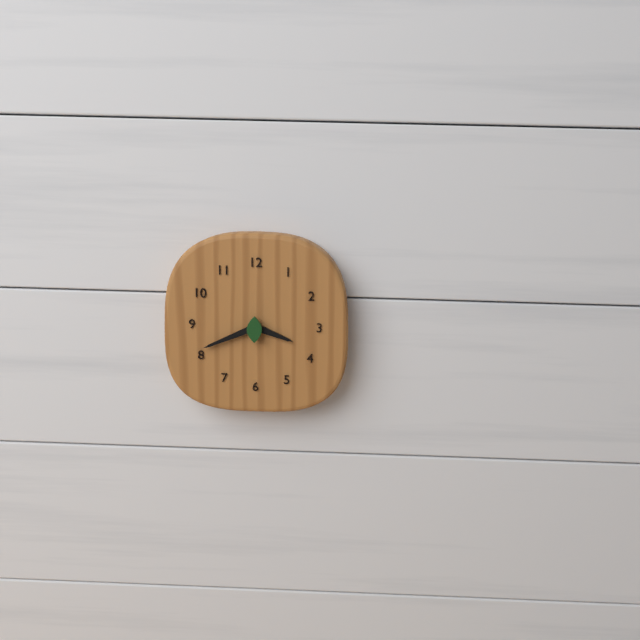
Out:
3.41
